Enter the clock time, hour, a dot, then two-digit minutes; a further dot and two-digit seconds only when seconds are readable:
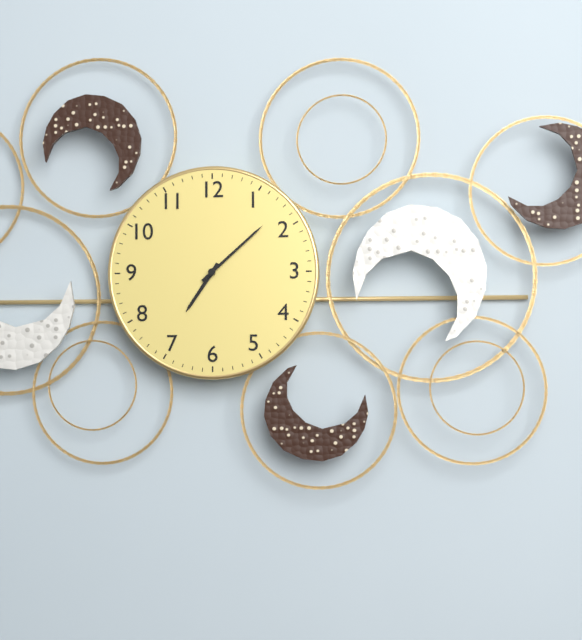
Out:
7.08
